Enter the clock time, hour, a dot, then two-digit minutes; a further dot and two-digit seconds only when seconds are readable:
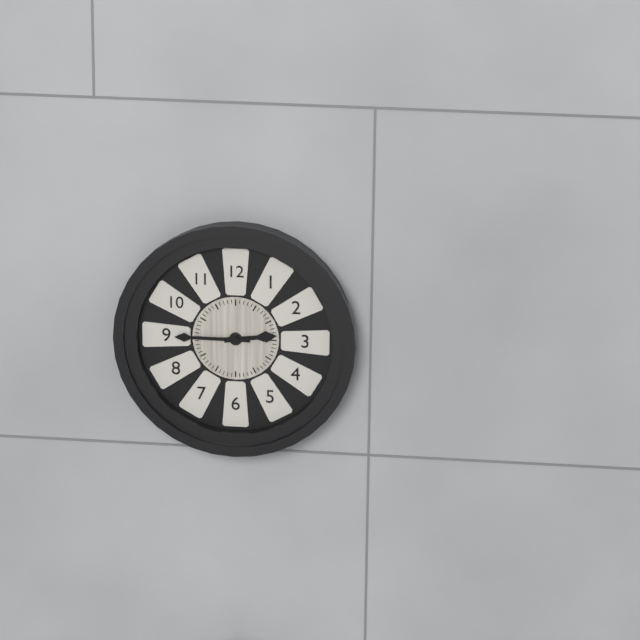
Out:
2.45
